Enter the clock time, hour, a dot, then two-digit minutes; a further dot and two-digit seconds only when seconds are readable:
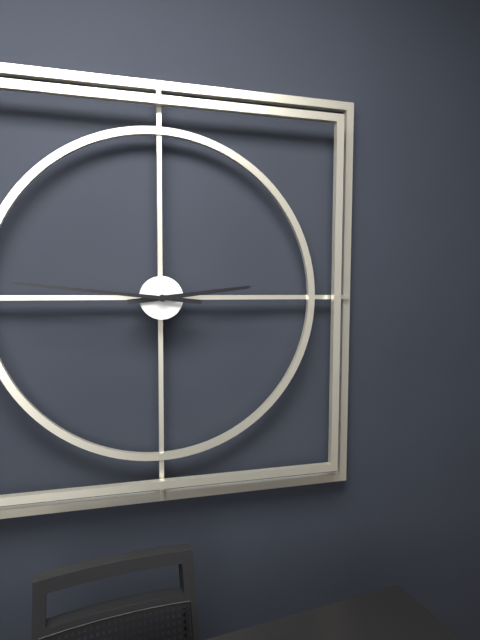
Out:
2.46
